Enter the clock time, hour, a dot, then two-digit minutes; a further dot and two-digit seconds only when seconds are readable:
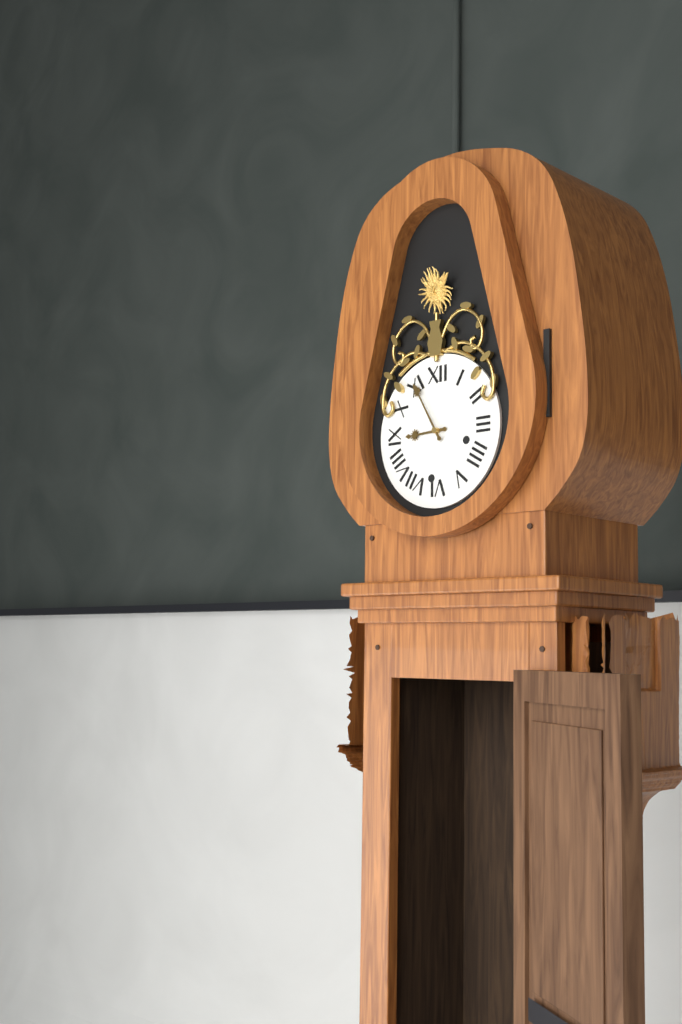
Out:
8.55
